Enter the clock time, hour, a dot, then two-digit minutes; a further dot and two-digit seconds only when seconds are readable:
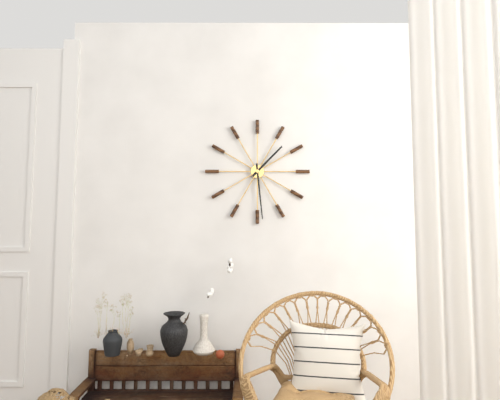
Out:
1.29
